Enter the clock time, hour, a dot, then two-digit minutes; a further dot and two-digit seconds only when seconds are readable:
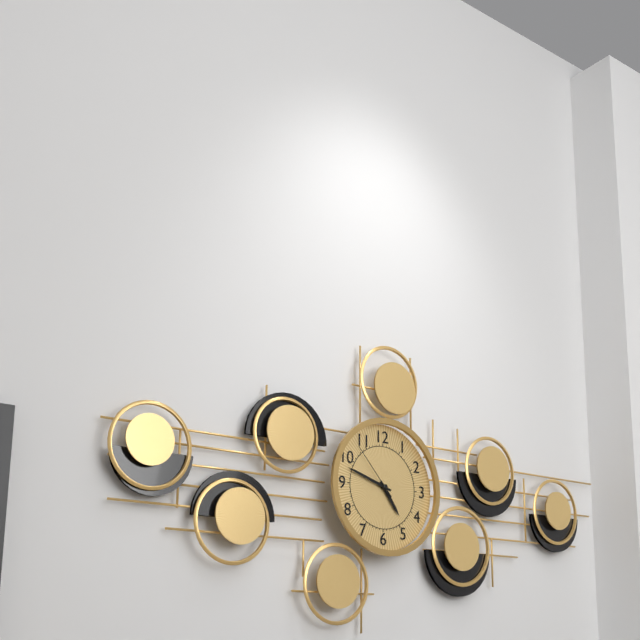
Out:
4.48.53
